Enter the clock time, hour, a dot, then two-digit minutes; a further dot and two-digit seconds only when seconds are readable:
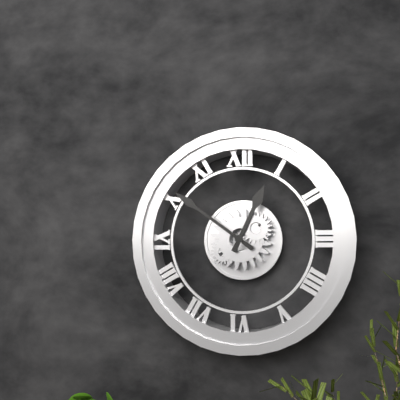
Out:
12.51
